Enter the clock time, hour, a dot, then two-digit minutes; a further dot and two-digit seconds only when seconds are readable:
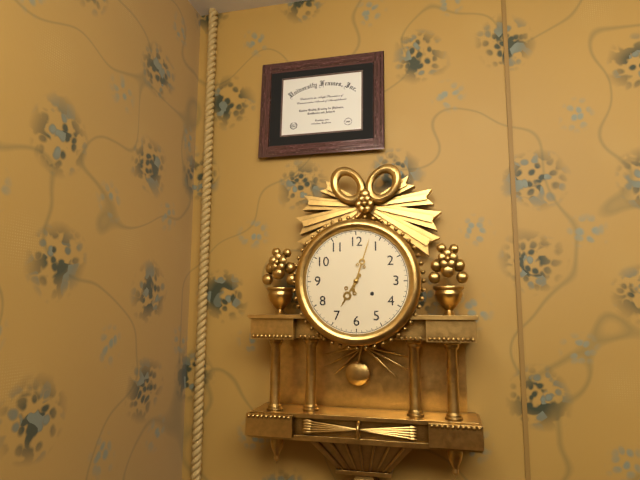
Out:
7.03
